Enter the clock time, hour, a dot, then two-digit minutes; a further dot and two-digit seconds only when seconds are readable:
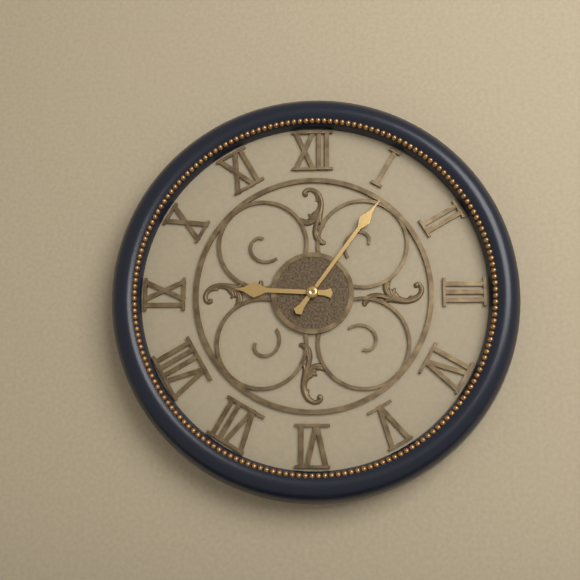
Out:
9.06
